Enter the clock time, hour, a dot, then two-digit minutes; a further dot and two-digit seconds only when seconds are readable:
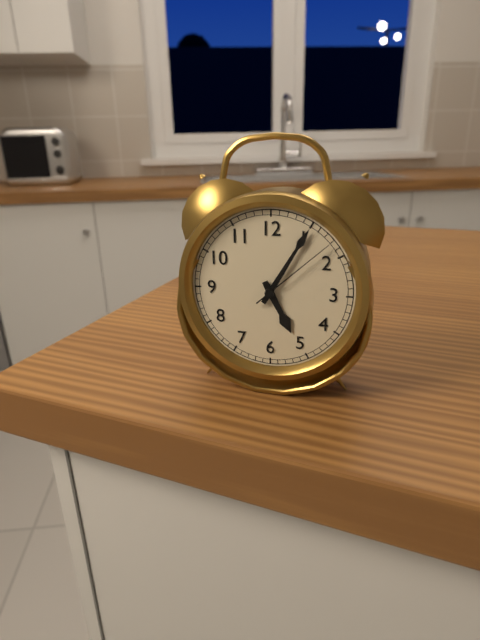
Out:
5.05.08
